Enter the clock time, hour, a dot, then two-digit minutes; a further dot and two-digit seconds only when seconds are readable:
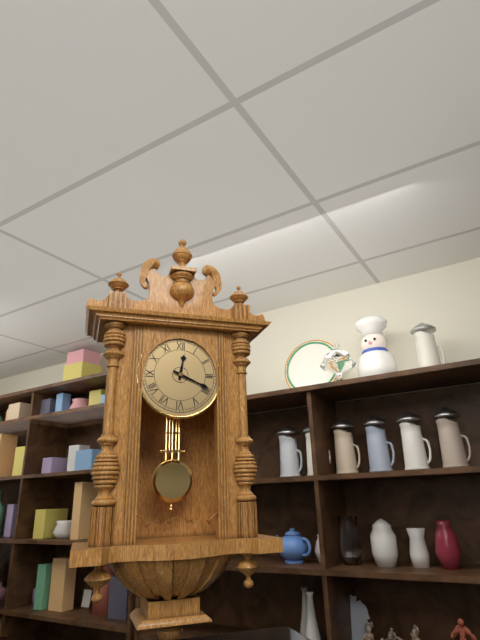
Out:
12.19
